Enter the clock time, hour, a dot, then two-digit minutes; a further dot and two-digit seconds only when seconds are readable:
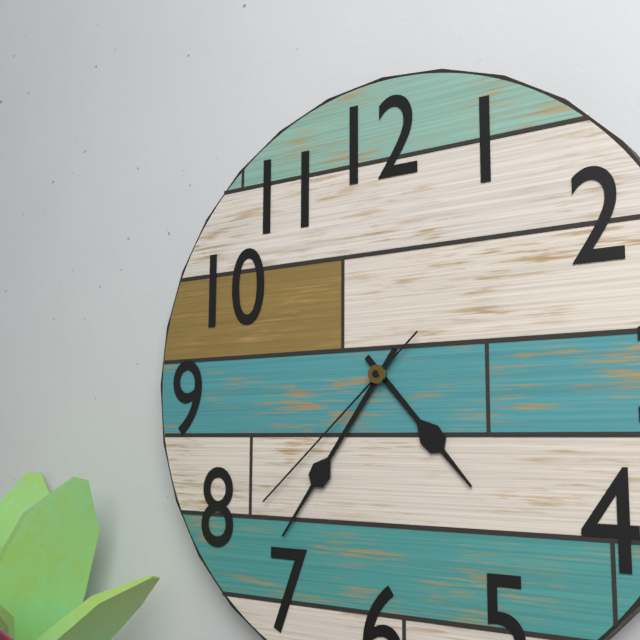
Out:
4.36.38
